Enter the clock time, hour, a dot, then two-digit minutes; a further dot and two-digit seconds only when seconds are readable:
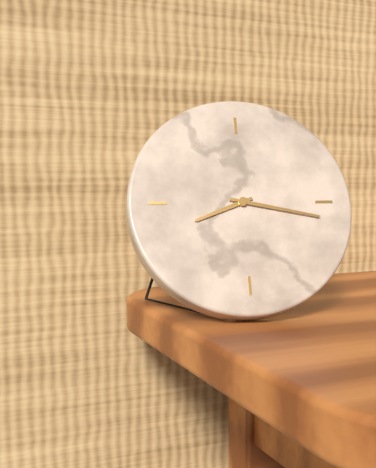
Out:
8.17
